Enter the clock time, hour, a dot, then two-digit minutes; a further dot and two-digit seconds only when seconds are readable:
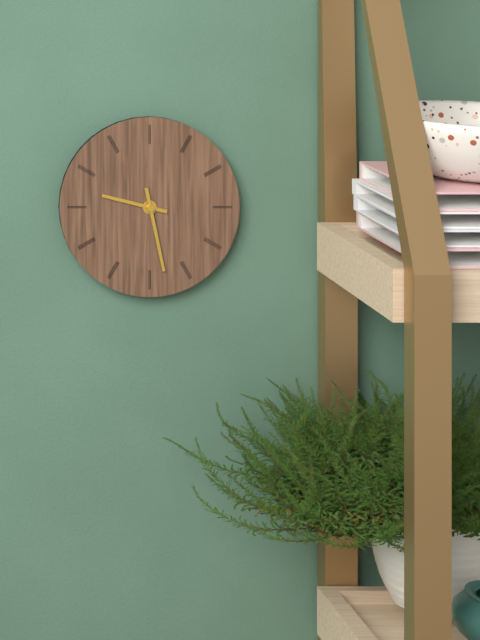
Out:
9.28
